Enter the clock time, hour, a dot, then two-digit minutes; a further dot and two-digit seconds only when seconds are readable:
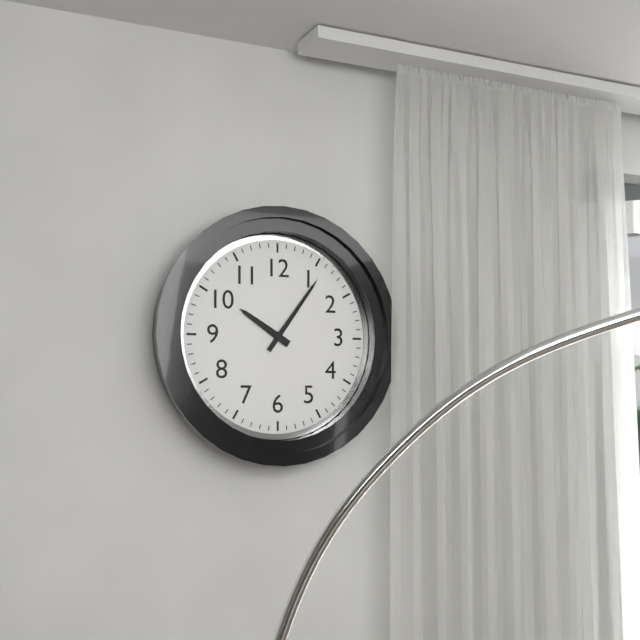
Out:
10.06
